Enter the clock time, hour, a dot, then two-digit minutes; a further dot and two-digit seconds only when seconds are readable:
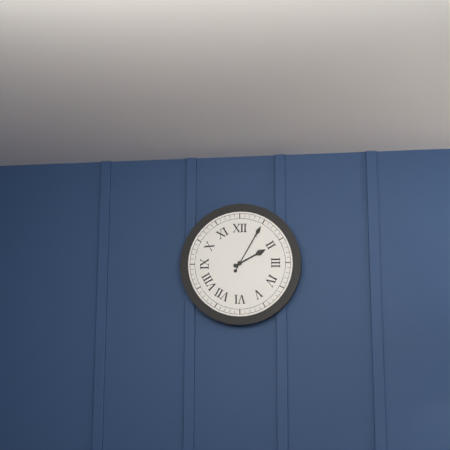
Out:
2.05
